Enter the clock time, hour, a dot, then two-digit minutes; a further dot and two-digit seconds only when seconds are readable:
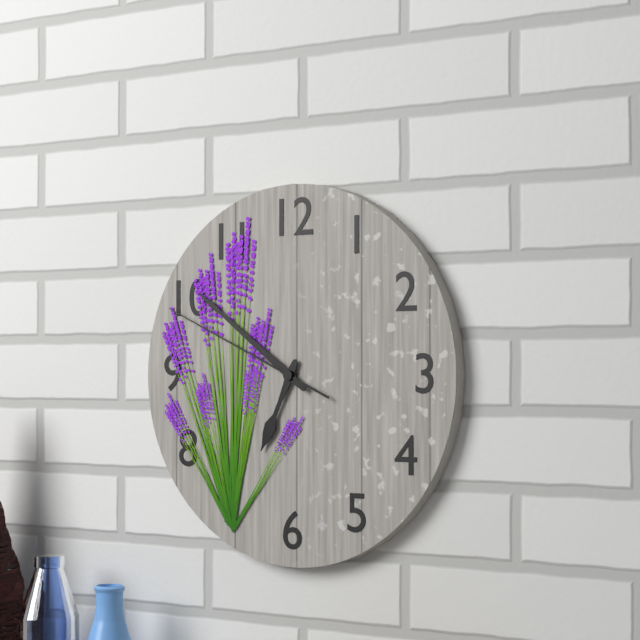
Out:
6.51.49
